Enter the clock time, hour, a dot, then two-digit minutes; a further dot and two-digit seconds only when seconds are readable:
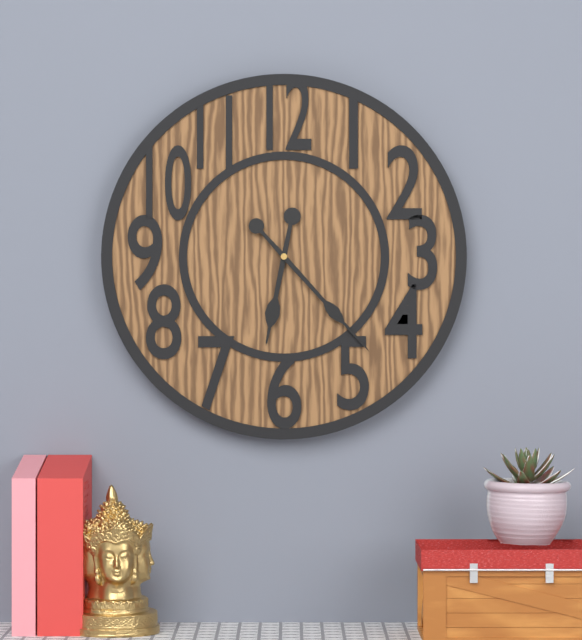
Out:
6.23
